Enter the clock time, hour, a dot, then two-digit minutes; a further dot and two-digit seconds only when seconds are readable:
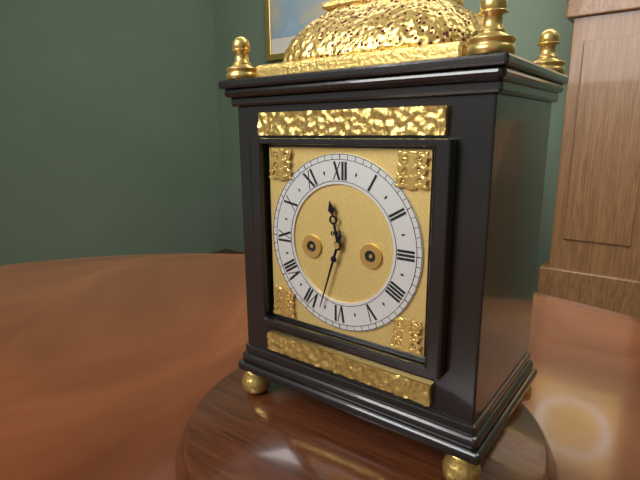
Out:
11.33
